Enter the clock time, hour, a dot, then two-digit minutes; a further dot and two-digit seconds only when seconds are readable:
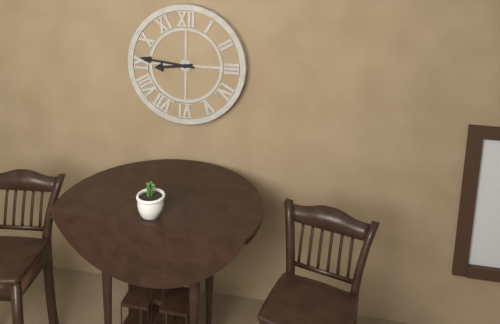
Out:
8.46
